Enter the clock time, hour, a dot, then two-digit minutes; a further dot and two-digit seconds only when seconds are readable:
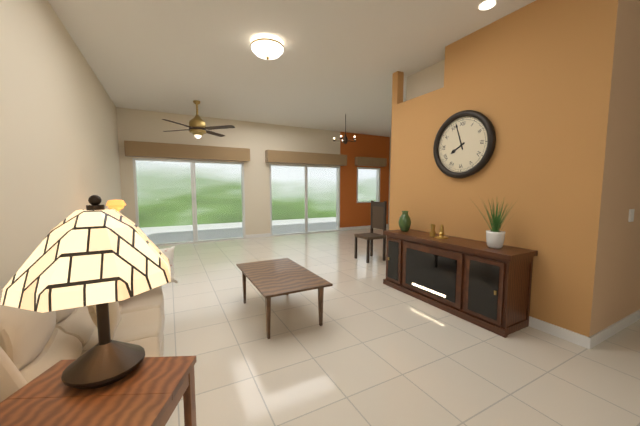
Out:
7.57
